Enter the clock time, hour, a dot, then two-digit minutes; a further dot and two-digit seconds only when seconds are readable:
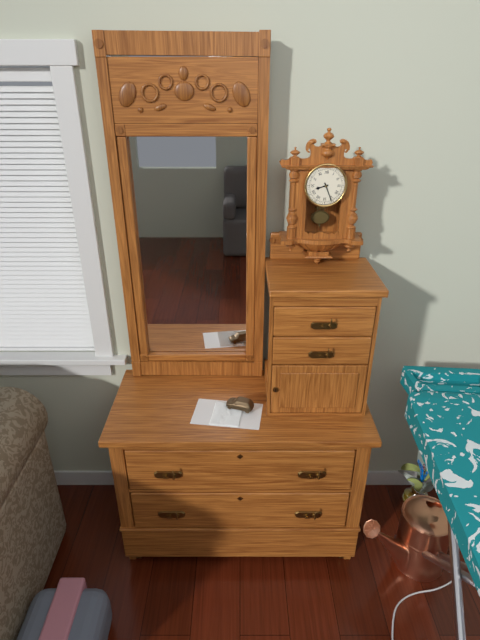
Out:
8.26
